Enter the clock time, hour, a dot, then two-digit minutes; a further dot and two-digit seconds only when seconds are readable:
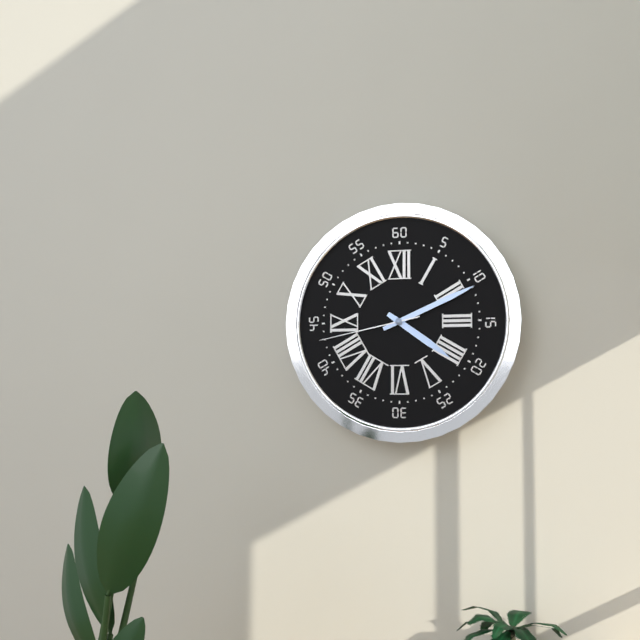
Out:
4.11.43
